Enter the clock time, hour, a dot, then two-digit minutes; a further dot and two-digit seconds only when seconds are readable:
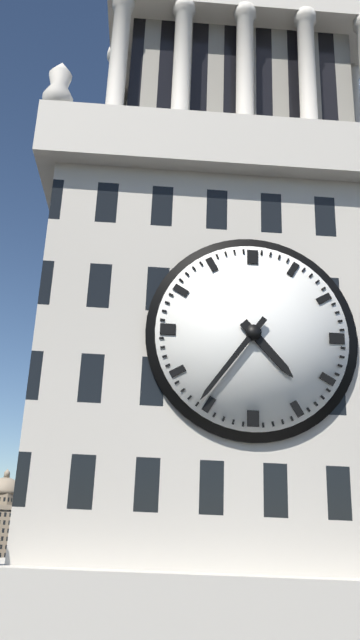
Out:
4.36
